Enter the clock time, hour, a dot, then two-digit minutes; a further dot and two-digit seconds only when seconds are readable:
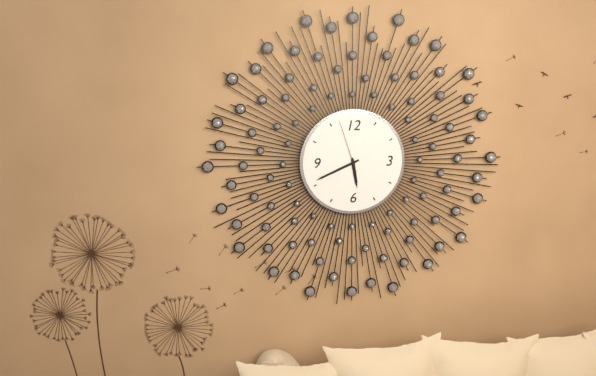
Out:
5.41.57
